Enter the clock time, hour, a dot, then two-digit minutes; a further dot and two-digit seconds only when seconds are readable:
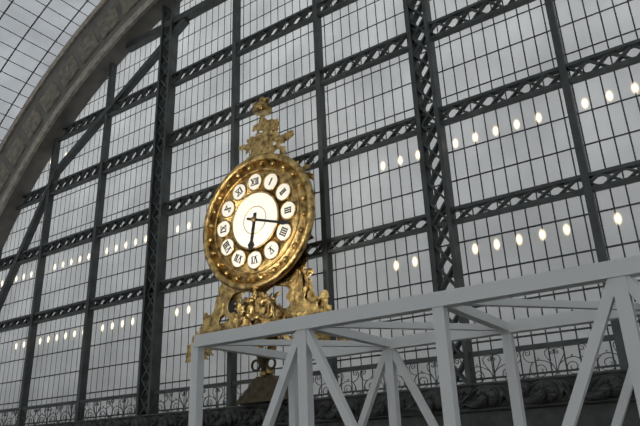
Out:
6.18
